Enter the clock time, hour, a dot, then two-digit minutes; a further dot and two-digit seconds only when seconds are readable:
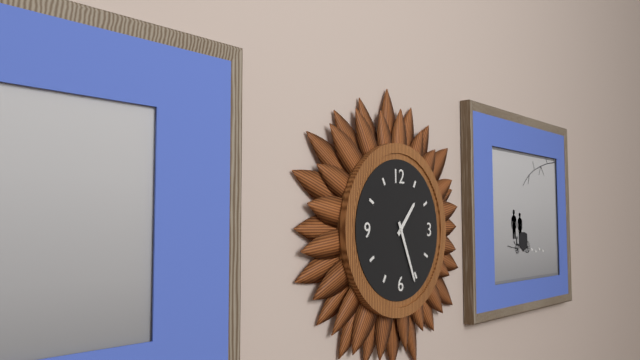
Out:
1.26
